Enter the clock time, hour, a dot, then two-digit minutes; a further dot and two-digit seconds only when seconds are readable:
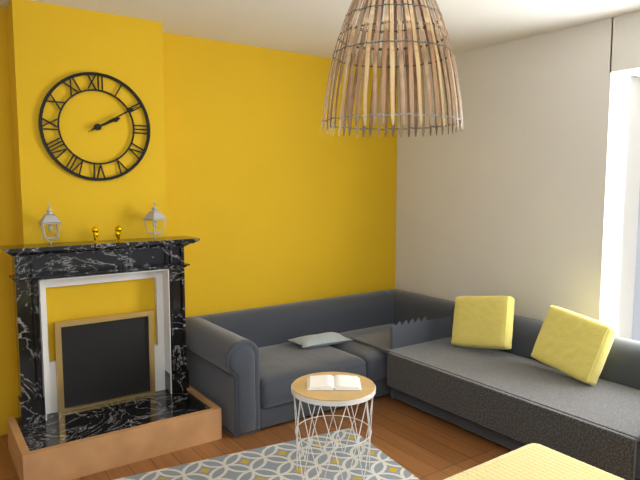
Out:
2.10.10
